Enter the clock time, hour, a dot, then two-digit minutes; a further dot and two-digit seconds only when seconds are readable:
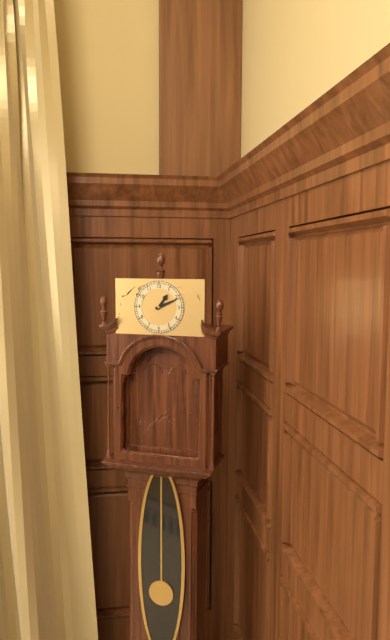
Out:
1.11
